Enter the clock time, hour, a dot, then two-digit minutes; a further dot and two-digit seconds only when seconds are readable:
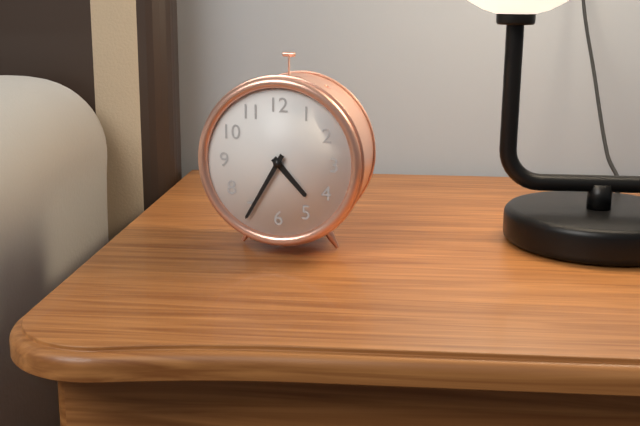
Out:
4.35
